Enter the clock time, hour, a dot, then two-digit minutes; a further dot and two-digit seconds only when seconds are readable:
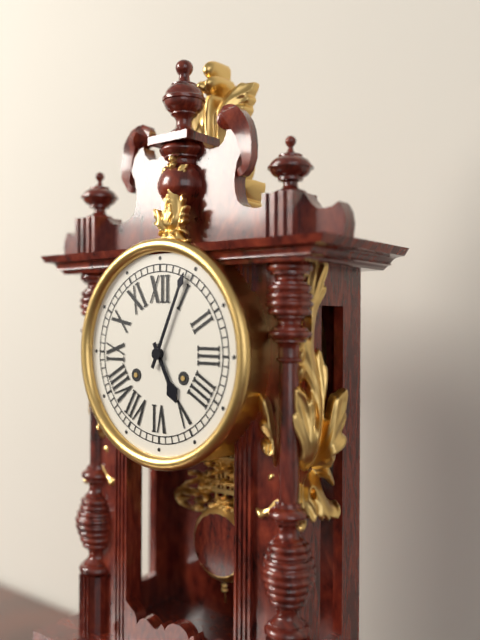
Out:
5.04
